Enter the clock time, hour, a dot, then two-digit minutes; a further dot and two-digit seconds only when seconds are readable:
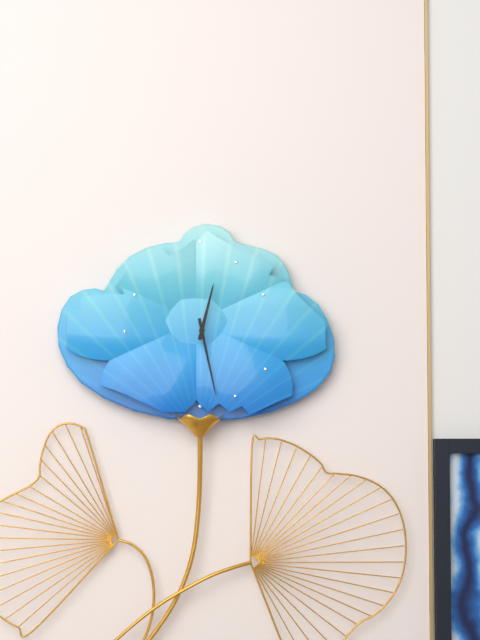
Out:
12.28
